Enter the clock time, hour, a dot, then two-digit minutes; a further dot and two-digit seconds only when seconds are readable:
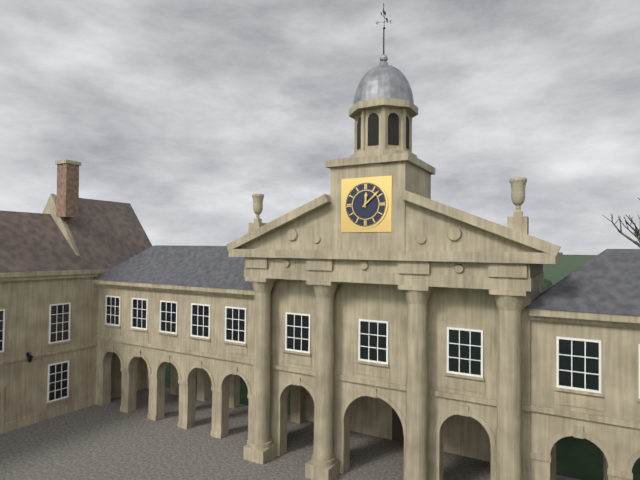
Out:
12.08
